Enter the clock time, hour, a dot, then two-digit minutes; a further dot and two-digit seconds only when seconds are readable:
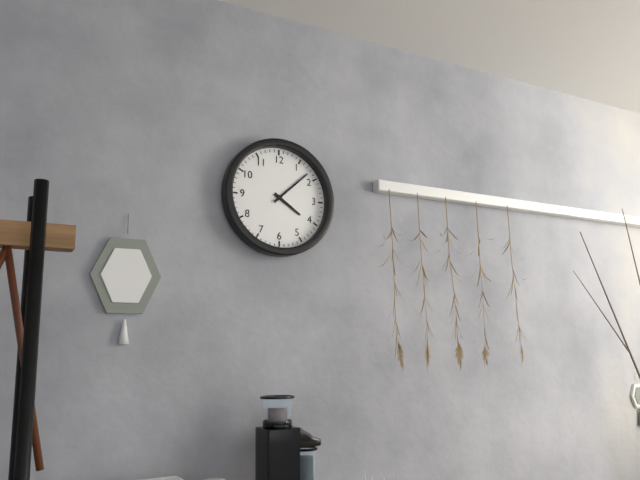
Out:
4.08
